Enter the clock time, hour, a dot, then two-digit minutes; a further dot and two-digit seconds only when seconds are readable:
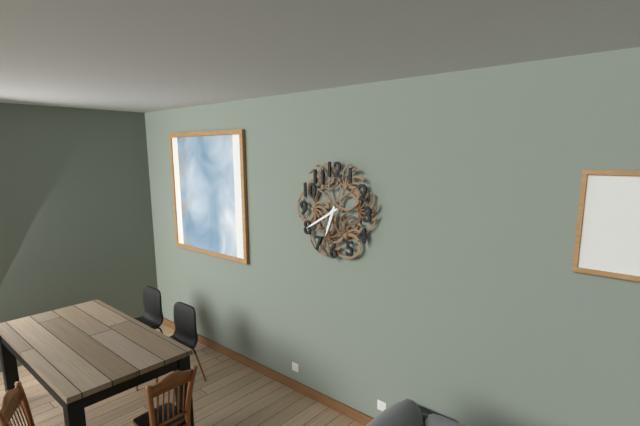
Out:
6.40
